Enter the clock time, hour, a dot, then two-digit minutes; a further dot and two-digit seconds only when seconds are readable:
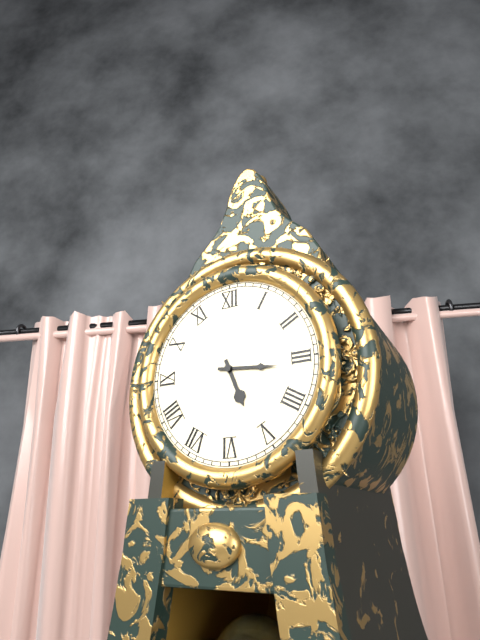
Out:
5.16
